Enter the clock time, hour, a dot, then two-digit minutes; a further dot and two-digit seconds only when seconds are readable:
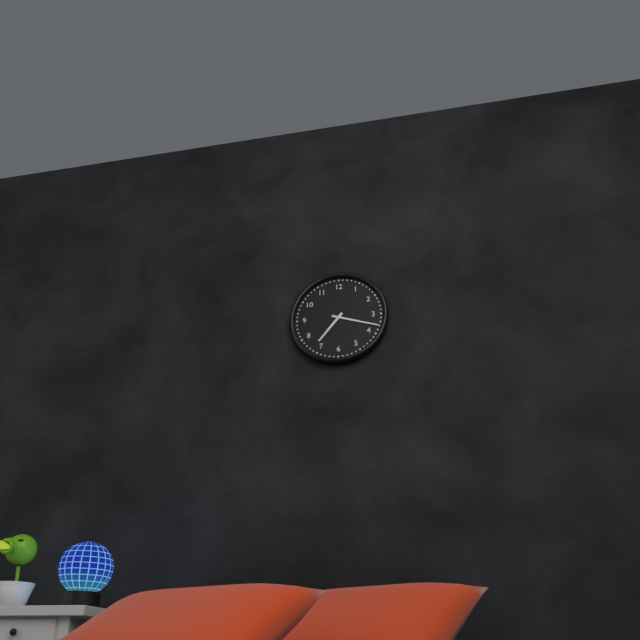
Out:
7.18
